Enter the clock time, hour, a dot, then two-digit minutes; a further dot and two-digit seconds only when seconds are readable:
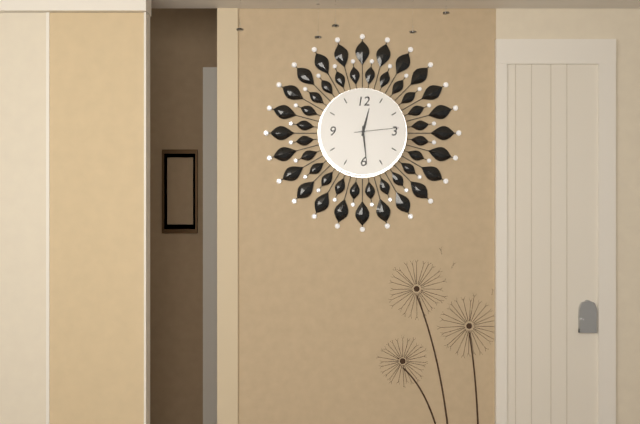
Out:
12.29
